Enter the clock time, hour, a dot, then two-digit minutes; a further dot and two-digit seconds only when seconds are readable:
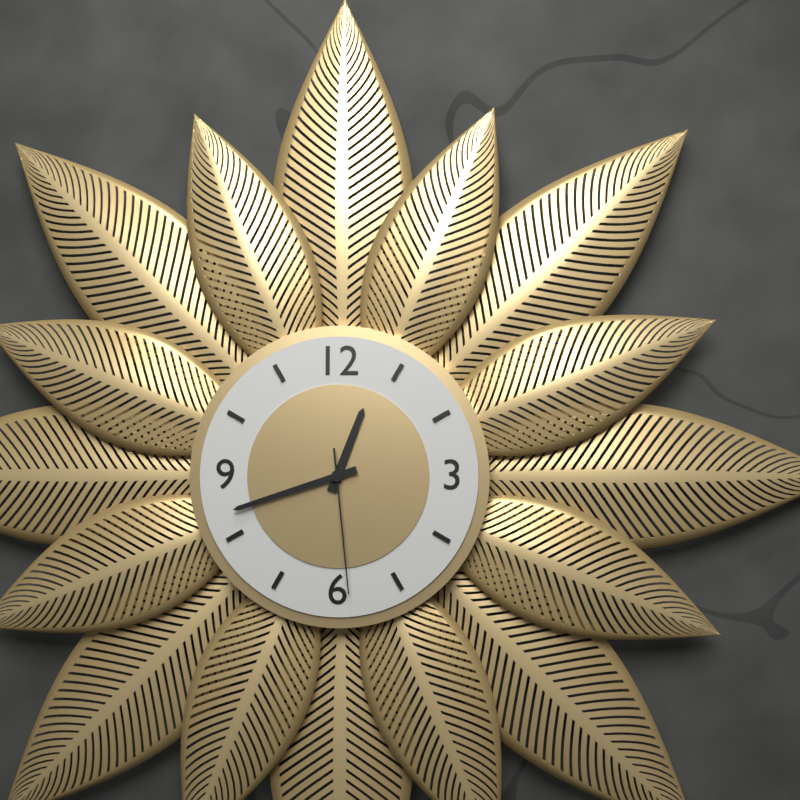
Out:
12.42.29
